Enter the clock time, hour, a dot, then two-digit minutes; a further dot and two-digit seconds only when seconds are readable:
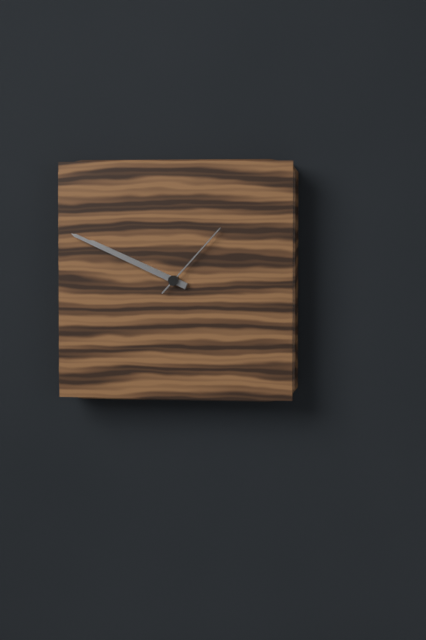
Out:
9.49.07
